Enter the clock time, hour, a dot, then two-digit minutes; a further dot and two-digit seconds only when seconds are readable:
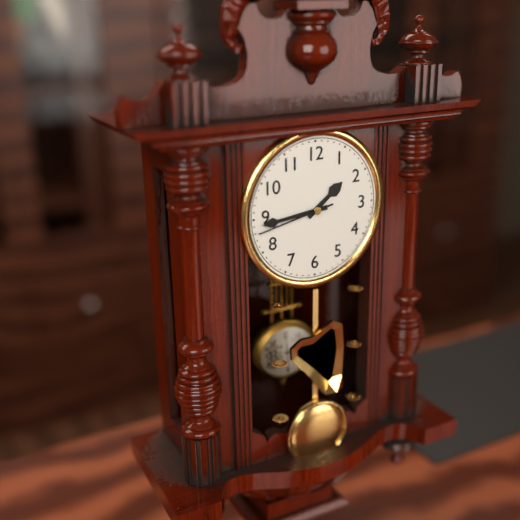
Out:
1.44.43
